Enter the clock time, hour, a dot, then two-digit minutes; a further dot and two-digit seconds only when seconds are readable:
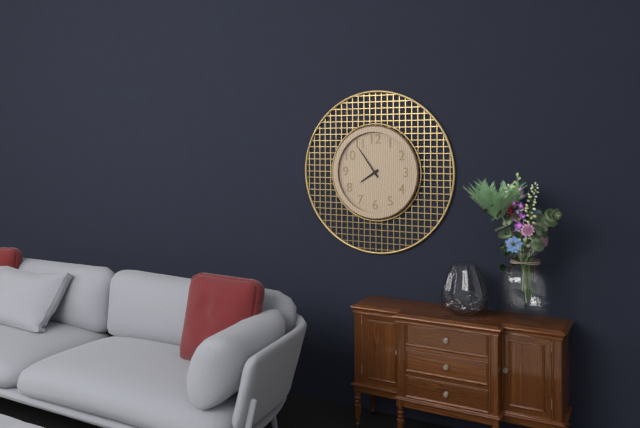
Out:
7.54
